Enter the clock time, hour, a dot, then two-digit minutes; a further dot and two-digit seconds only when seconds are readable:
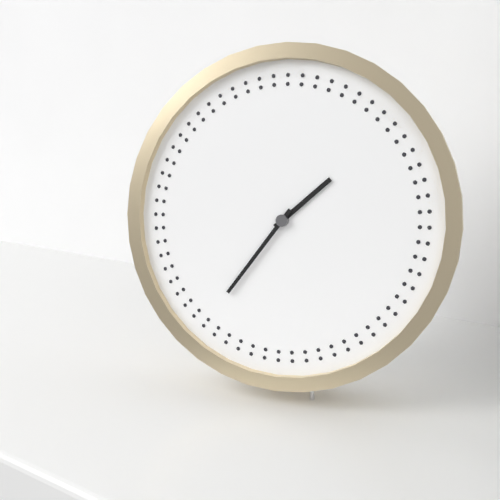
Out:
1.36
